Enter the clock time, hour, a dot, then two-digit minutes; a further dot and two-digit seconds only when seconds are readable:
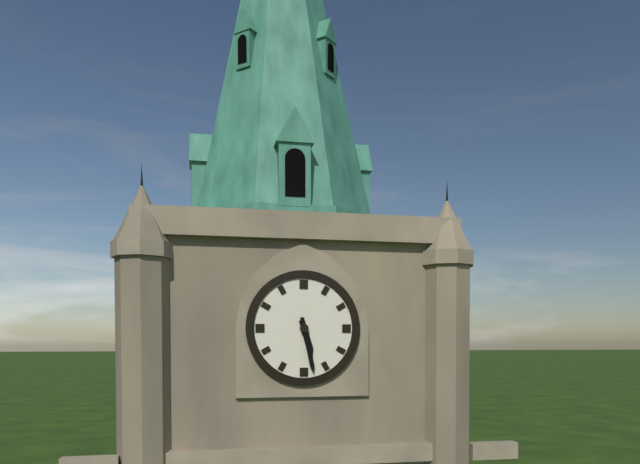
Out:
5.28
